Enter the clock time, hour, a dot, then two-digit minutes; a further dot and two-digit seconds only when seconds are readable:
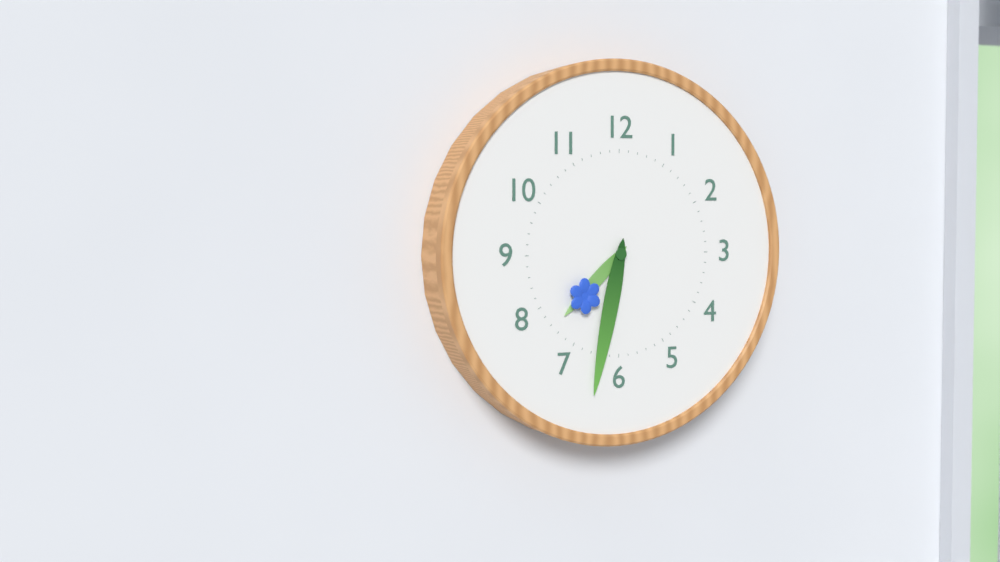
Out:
7.32
